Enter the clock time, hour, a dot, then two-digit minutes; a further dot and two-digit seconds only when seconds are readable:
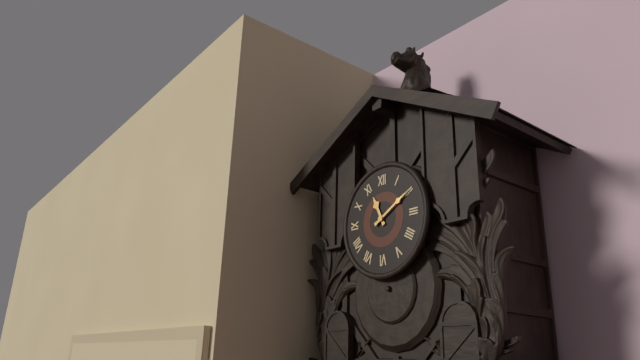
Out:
11.10
